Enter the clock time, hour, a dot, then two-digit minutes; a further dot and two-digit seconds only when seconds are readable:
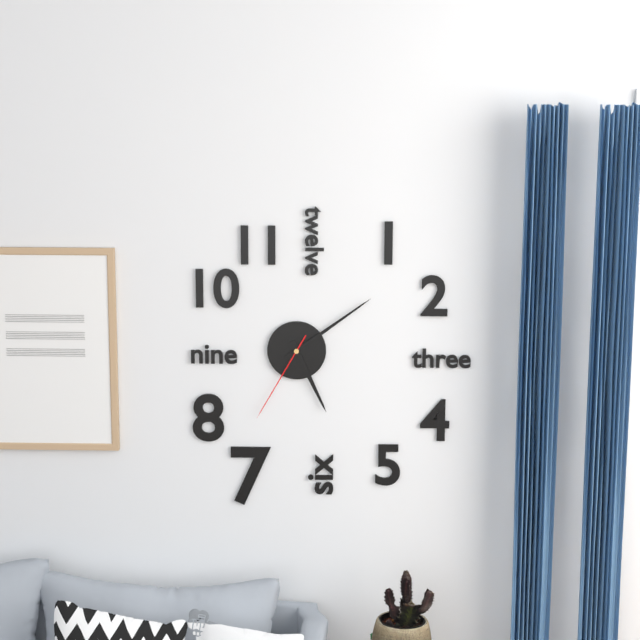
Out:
5.09.35
